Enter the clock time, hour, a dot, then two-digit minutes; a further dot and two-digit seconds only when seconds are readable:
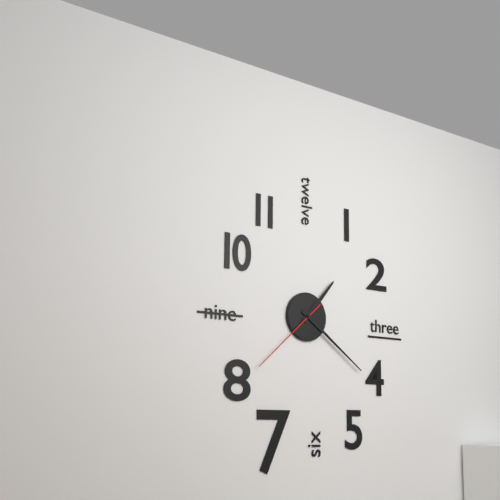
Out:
1.21.38
